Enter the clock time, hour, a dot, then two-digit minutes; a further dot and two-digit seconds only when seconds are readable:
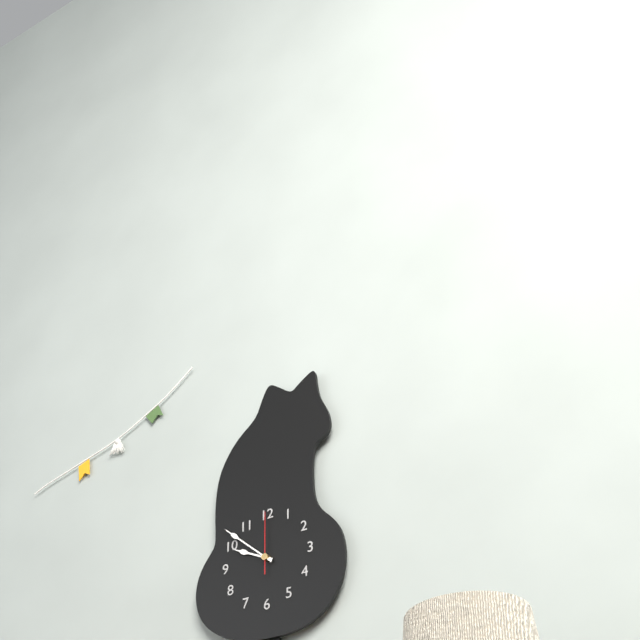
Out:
9.52.00
